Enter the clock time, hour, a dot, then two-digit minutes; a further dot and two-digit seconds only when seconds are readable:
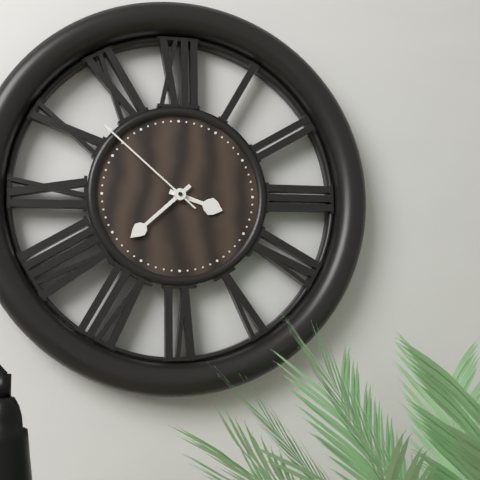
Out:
3.38.52
